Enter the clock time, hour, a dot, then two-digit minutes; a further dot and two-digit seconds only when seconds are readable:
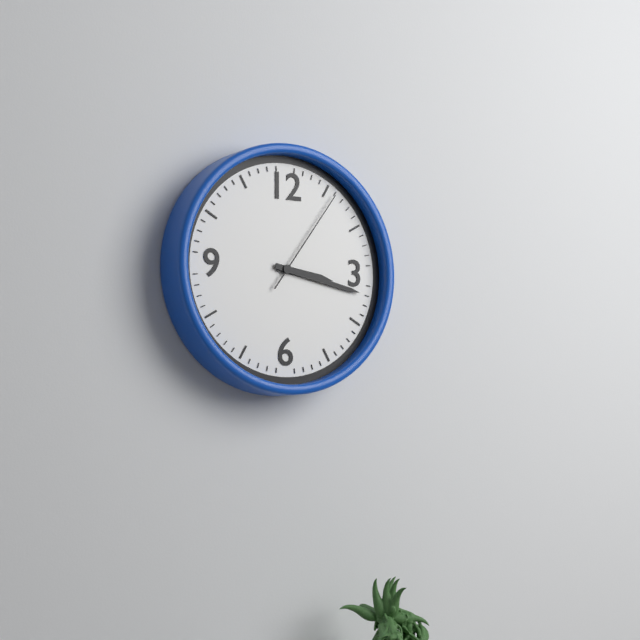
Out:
3.17.06
